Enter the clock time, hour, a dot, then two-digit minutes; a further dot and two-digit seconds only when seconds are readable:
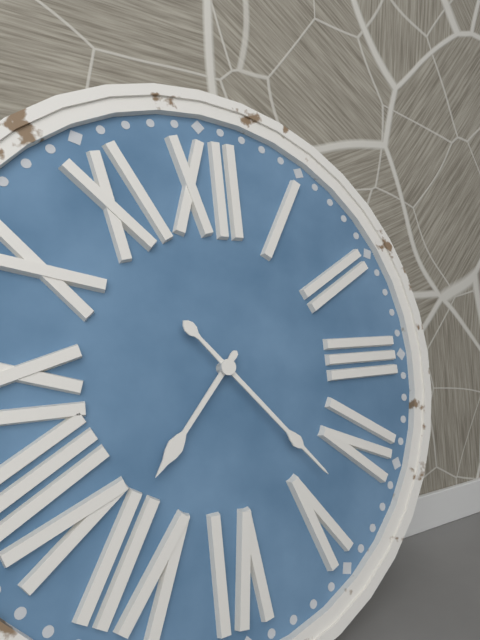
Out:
7.23
